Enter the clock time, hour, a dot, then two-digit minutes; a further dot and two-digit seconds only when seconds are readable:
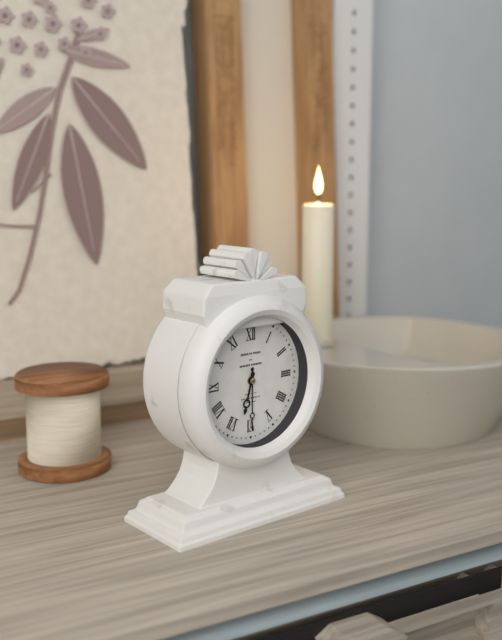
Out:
6.30
